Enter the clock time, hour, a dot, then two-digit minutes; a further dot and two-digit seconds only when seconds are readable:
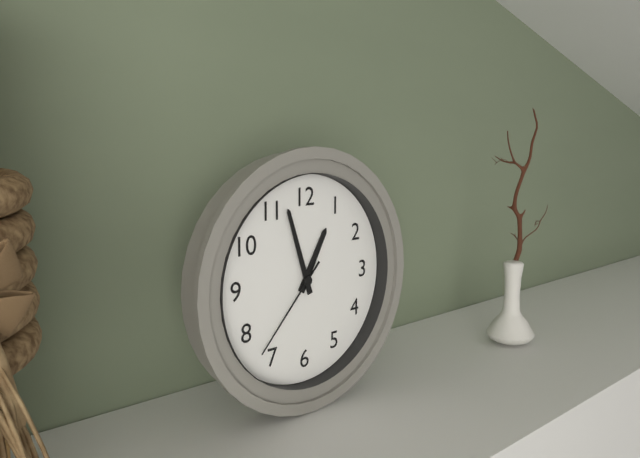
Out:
12.57.37
